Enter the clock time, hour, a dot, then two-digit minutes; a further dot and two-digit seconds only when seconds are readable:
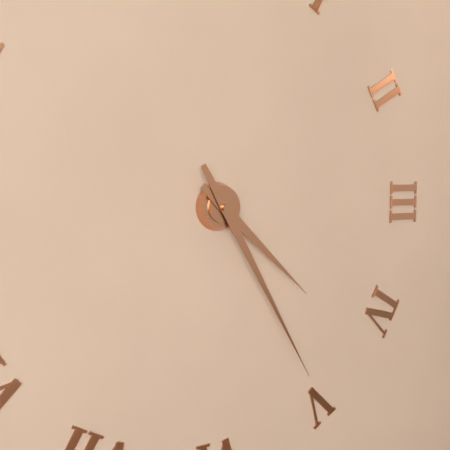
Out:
4.25
